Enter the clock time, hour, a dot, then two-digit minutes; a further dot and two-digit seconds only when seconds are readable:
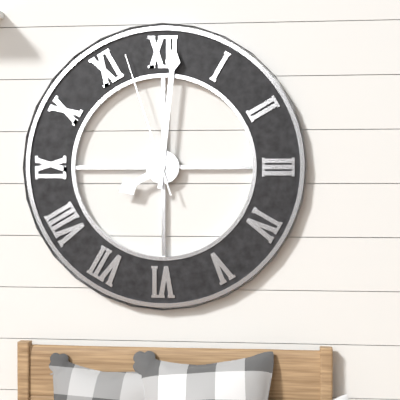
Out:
8.01.57
